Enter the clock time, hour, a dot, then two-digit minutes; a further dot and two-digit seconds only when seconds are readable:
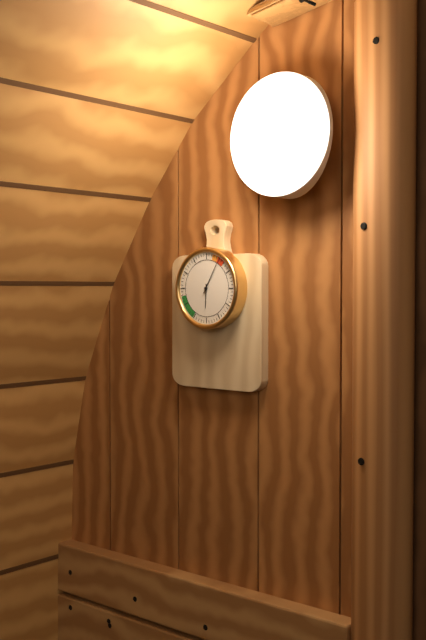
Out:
6.05
